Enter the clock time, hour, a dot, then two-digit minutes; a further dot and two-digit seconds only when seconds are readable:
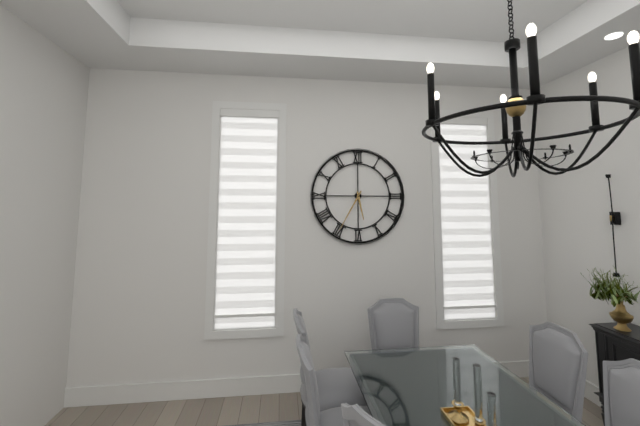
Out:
5.35
